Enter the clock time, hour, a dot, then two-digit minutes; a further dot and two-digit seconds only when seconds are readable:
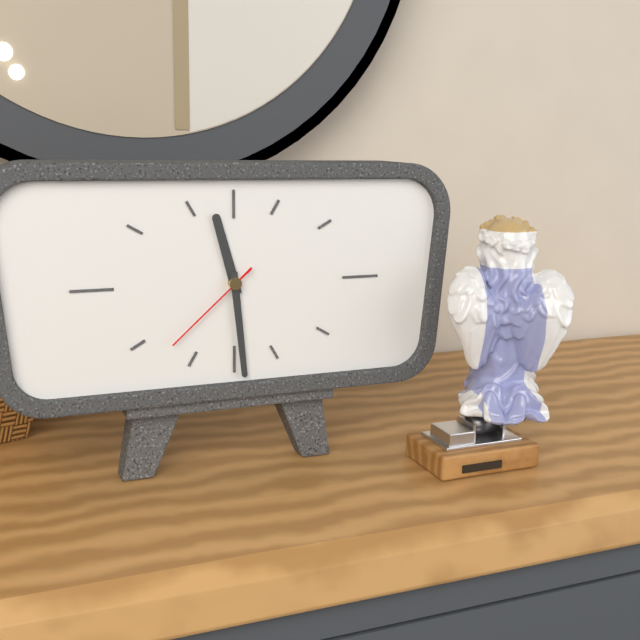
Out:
11.29.38
